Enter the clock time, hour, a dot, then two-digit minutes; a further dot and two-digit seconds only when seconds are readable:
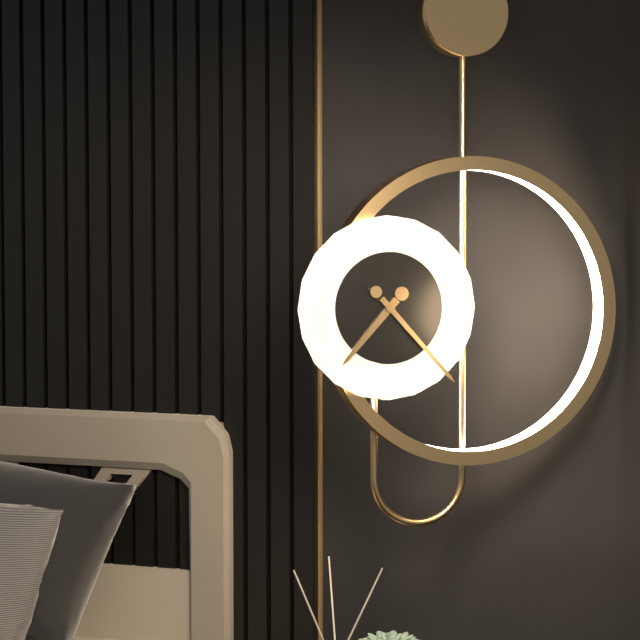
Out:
7.23
